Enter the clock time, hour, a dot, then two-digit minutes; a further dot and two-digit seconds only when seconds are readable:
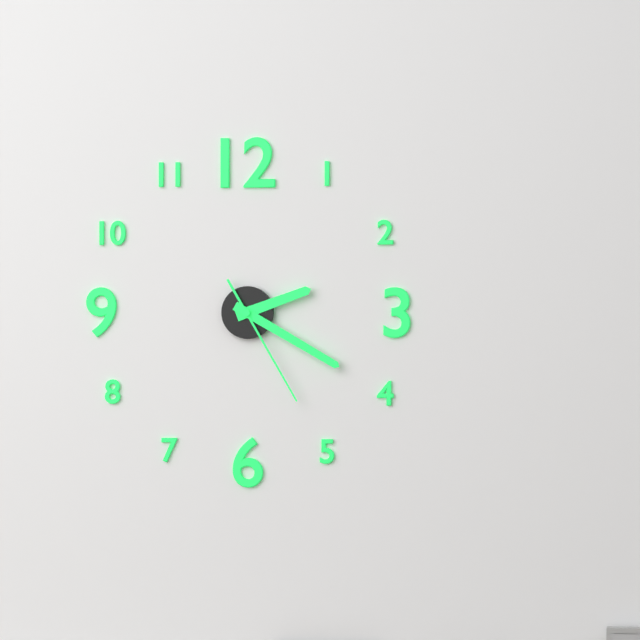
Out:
2.20.25
